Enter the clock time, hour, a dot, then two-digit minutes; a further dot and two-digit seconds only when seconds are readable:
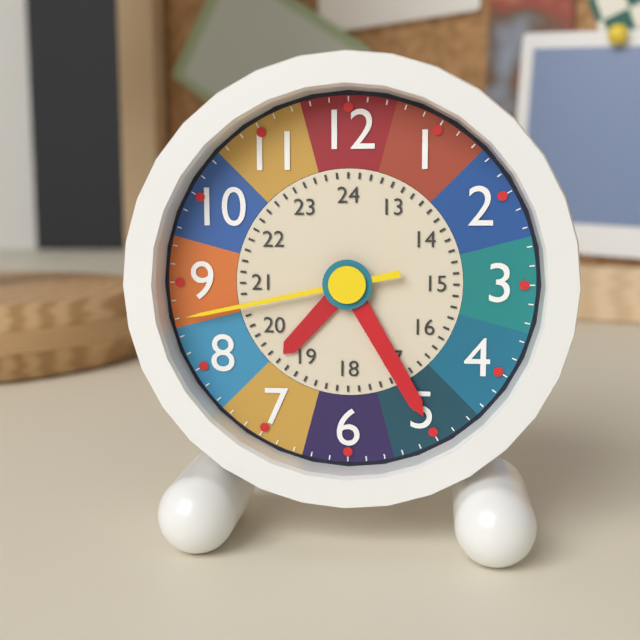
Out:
7.25.43
